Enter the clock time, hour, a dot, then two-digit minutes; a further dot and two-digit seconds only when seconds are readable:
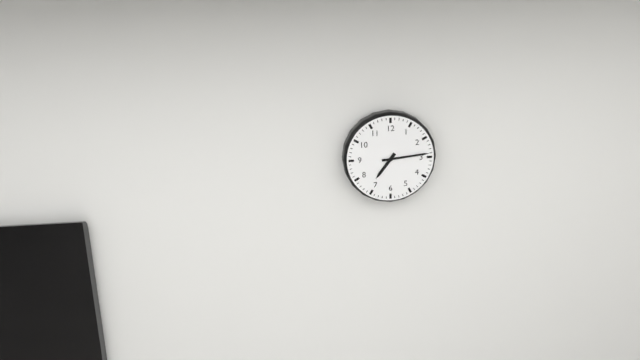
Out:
7.14
